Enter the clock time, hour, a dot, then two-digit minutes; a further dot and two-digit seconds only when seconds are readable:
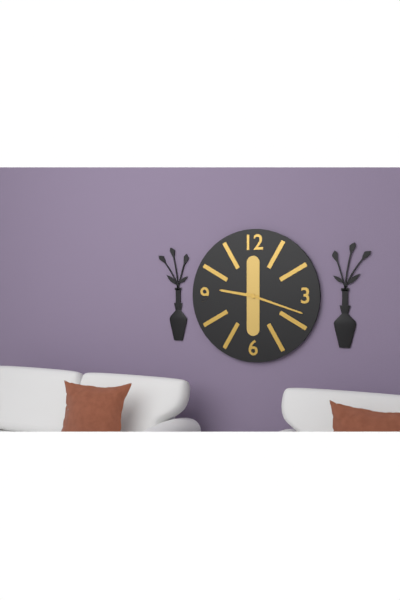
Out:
9.18
